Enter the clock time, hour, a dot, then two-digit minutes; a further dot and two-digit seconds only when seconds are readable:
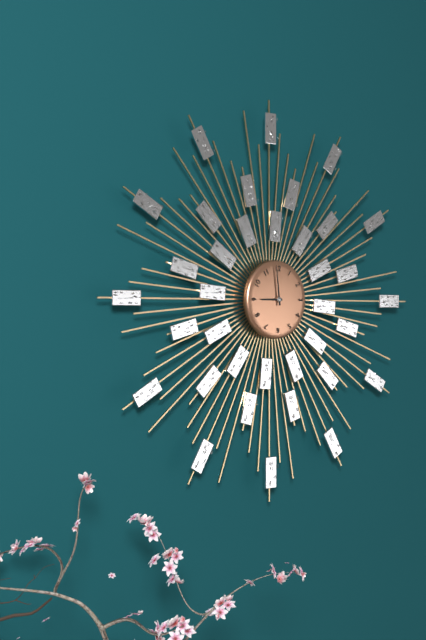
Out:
8.59
